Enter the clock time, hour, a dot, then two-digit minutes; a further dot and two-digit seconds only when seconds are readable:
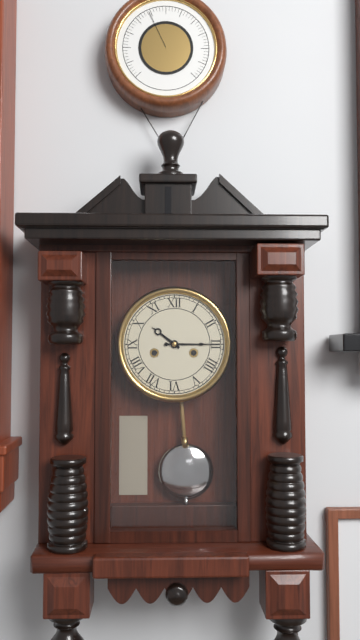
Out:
10.15
